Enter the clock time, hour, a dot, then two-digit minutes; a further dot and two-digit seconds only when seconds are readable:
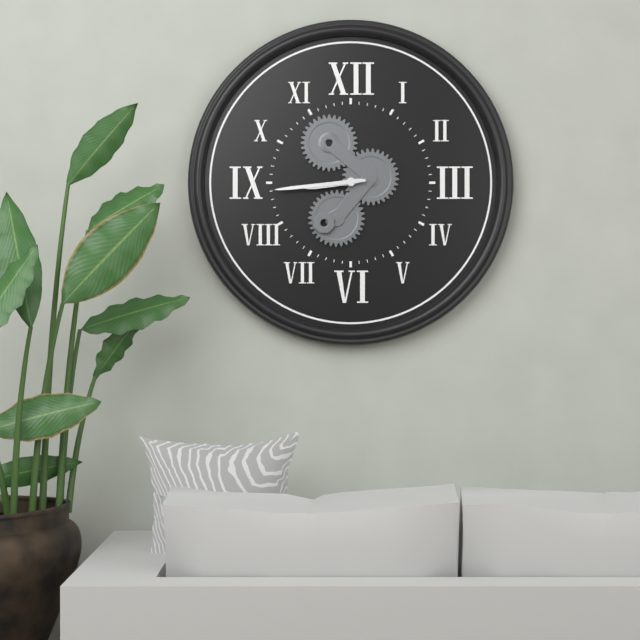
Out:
8.44
